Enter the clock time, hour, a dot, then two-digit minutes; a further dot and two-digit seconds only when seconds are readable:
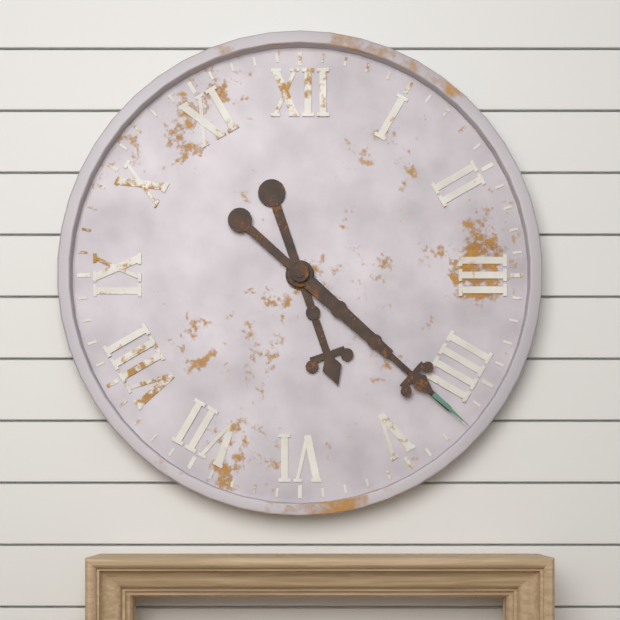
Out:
5.22
